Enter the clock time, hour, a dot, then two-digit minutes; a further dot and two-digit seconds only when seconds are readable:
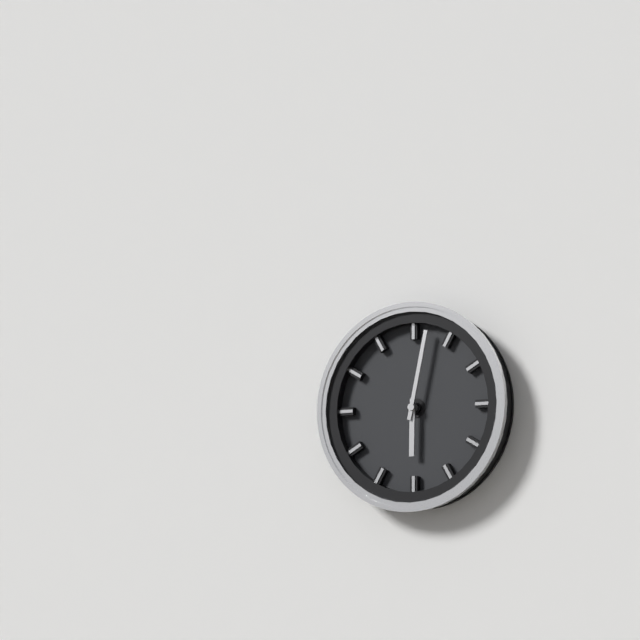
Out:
6.02
